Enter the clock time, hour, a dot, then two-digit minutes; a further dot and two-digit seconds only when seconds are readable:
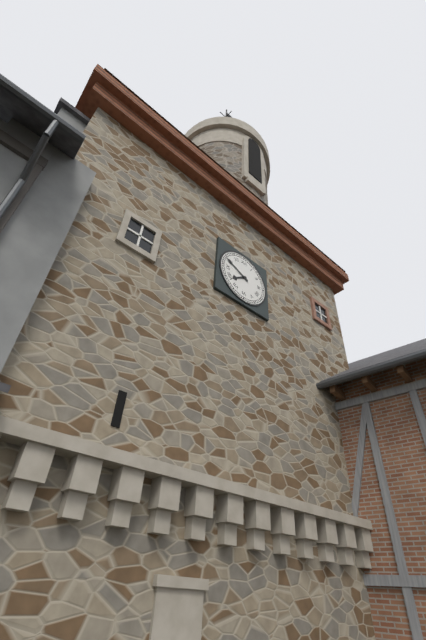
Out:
7.49
